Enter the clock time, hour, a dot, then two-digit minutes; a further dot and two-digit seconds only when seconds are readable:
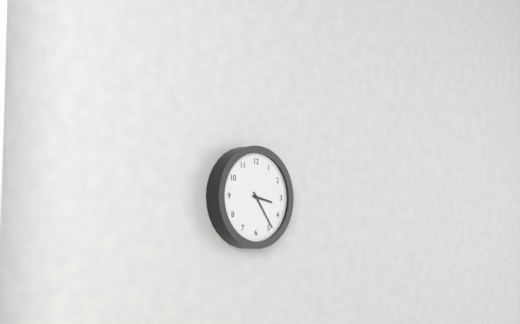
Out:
3.24
